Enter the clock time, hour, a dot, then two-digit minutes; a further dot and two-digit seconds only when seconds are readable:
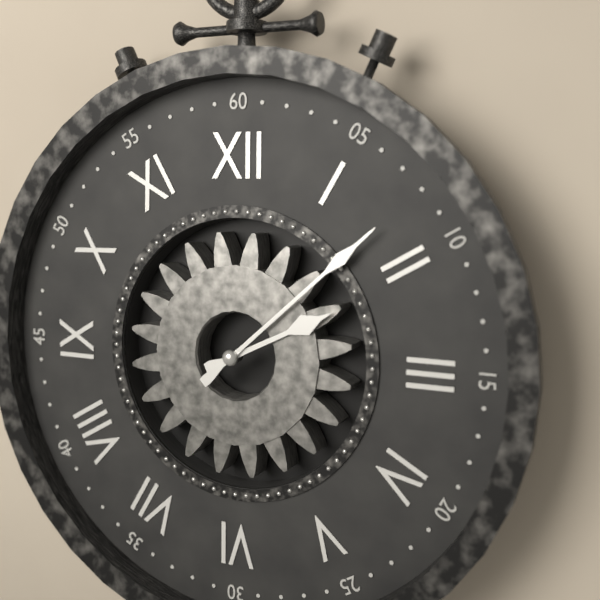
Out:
2.08
